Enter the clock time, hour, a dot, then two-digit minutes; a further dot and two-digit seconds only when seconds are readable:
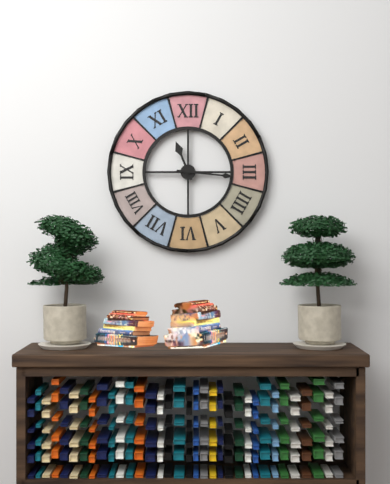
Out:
11.16
